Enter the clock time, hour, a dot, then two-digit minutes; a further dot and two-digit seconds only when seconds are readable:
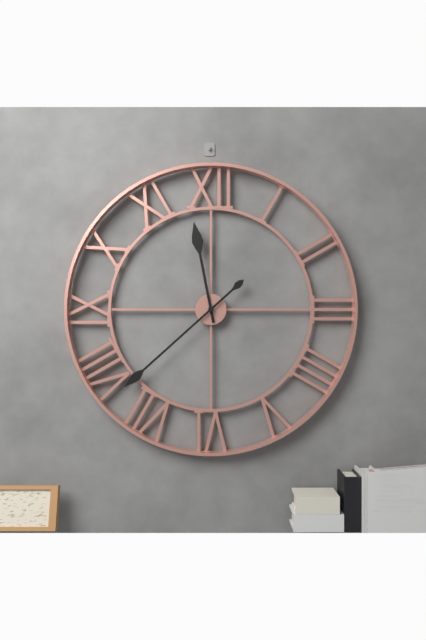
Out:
11.38
